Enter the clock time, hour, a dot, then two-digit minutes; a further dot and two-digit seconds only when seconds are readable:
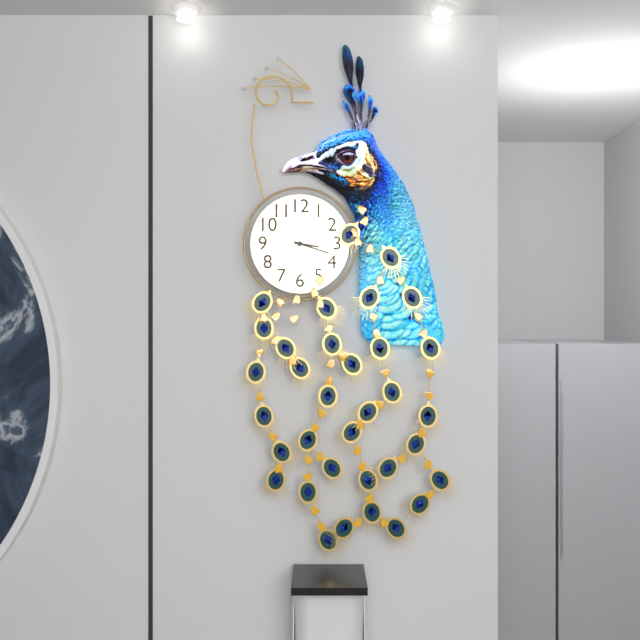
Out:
3.18
